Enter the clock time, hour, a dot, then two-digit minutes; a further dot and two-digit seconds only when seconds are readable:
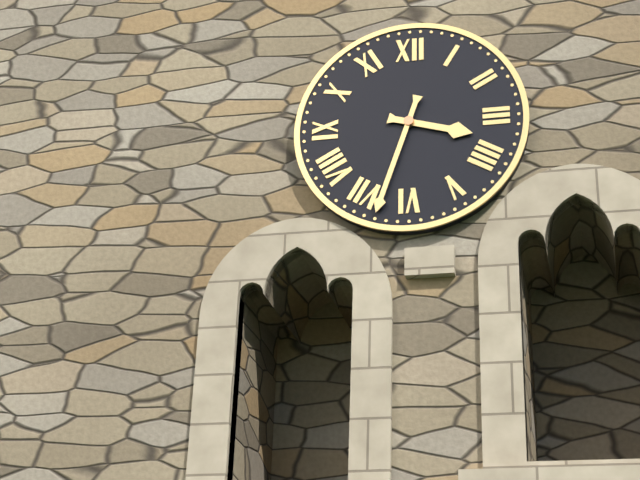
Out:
3.33
